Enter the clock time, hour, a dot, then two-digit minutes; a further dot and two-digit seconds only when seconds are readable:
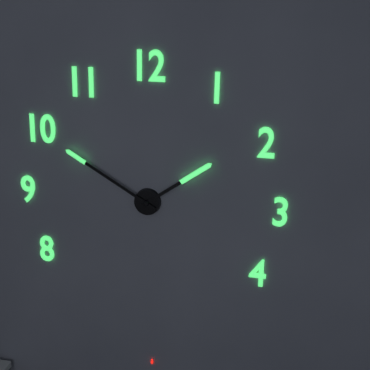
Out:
1.50
